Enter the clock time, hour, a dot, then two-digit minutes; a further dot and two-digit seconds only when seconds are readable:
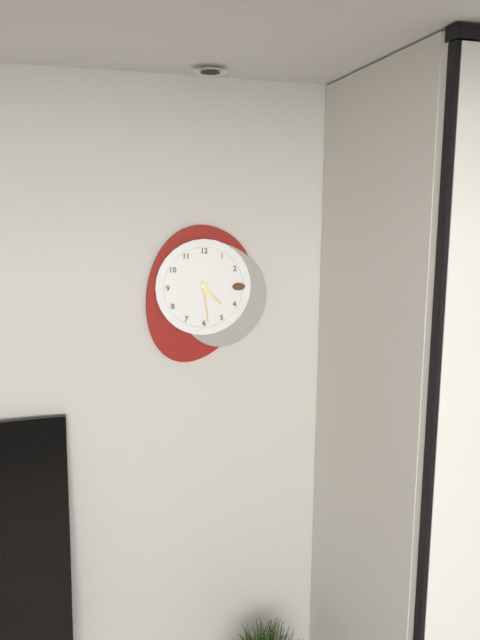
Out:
4.29
